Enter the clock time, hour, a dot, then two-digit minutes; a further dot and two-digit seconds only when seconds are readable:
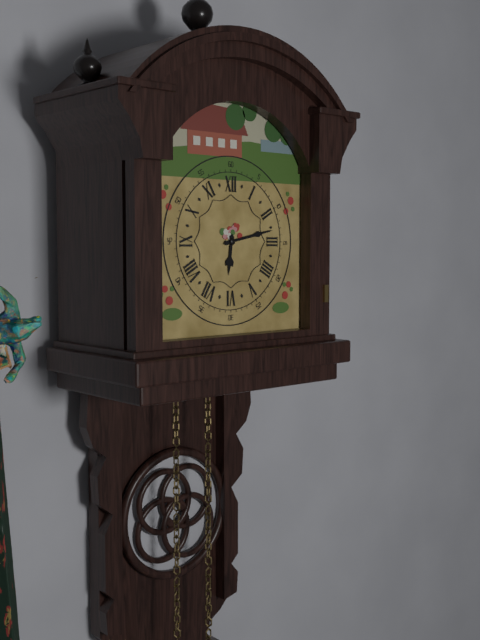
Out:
6.13
